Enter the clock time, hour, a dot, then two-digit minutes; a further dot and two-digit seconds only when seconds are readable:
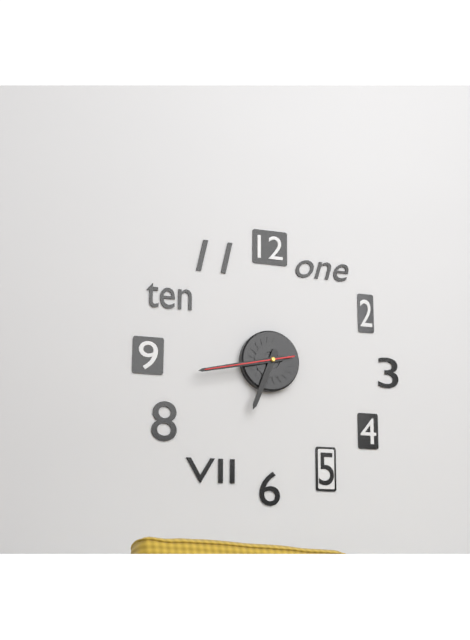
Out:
6.43.43
